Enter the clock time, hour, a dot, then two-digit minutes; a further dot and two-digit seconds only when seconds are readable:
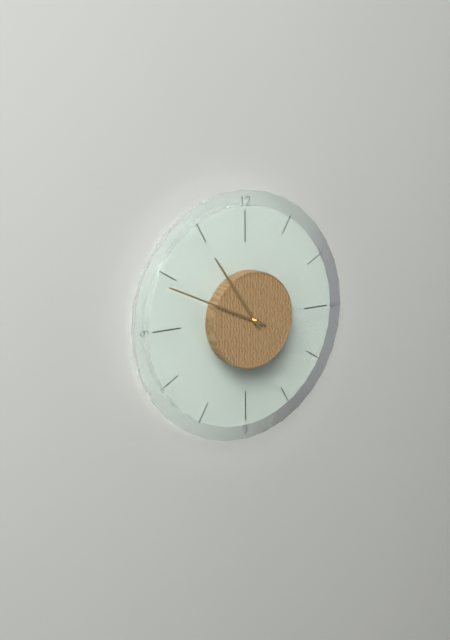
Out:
10.49
